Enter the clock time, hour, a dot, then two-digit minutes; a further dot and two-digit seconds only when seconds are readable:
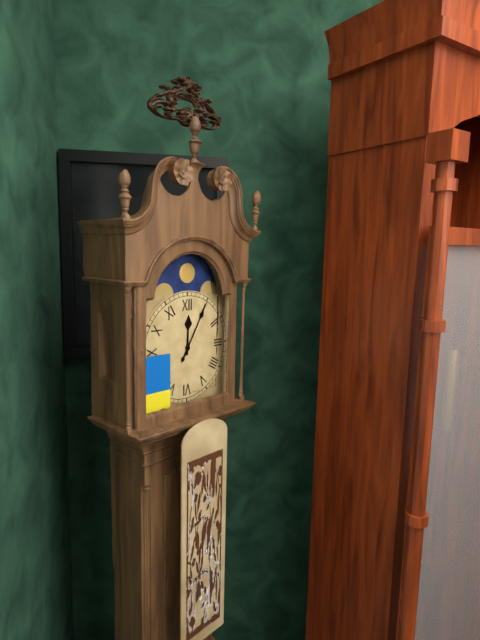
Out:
12.05
